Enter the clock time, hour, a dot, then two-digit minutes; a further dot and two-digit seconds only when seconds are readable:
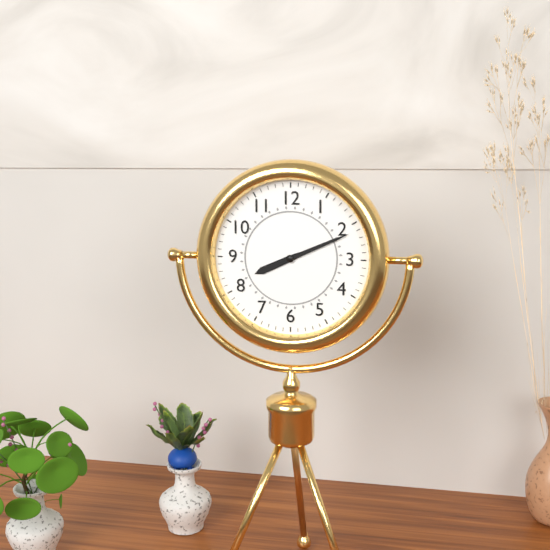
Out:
8.11
